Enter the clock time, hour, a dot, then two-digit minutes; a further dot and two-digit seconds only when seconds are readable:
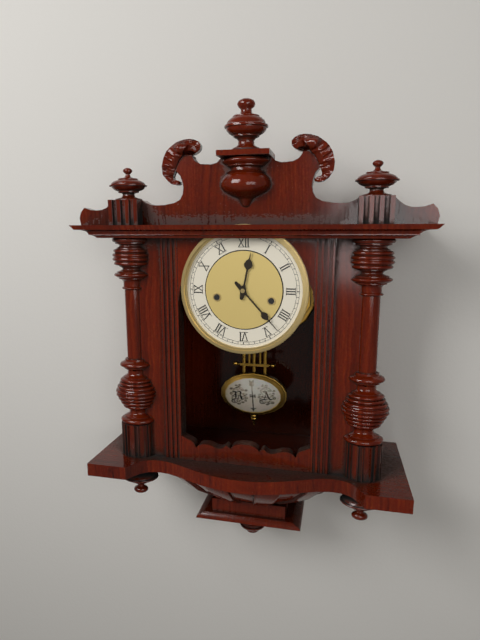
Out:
12.23
